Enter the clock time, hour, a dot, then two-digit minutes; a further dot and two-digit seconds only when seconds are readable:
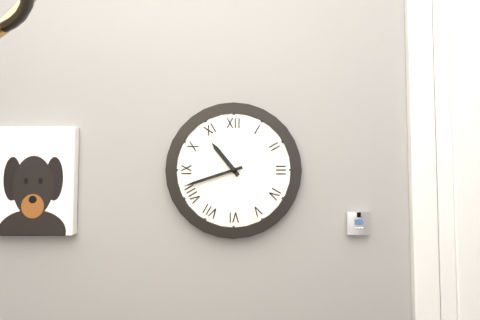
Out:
10.42
